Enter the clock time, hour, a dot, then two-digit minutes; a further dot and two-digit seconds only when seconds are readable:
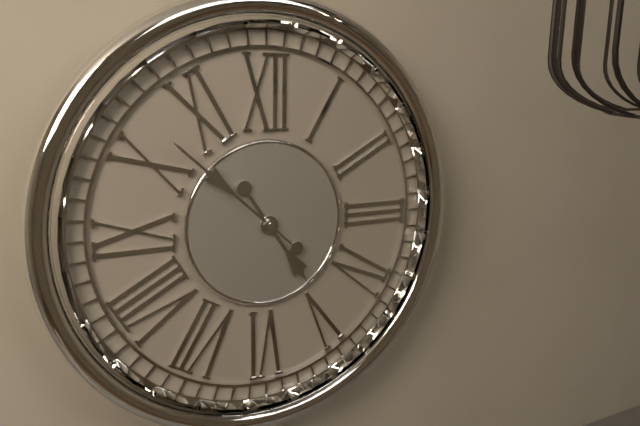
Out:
4.52
